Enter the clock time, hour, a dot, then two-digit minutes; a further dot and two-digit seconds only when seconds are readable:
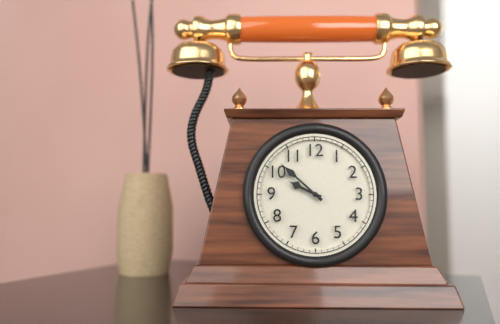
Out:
9.52
